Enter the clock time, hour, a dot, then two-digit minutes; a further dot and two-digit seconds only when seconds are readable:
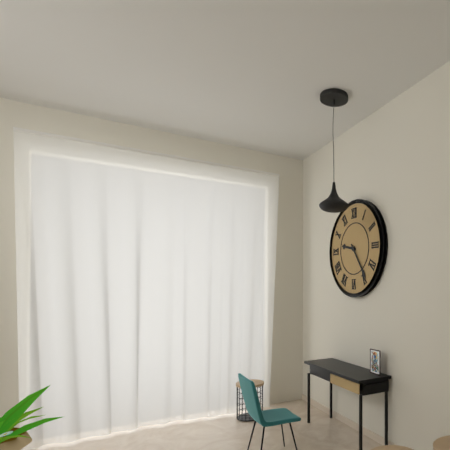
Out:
9.24
